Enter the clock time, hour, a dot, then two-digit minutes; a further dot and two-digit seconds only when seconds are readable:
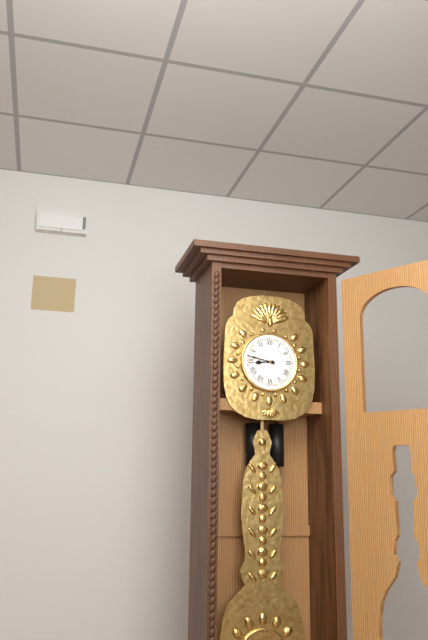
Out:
8.47
